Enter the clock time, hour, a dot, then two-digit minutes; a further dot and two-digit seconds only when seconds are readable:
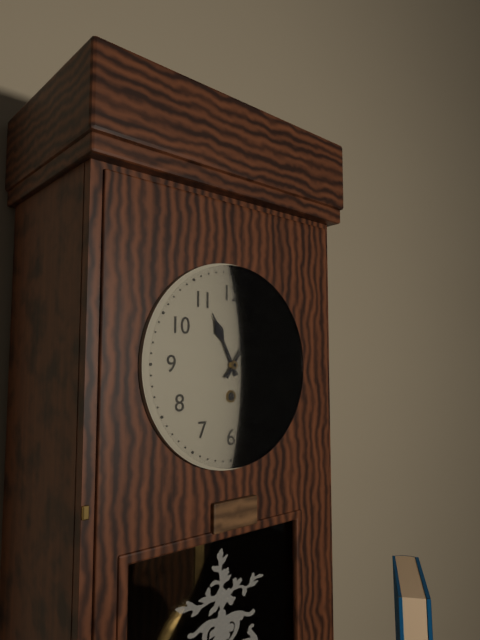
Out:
11.06
